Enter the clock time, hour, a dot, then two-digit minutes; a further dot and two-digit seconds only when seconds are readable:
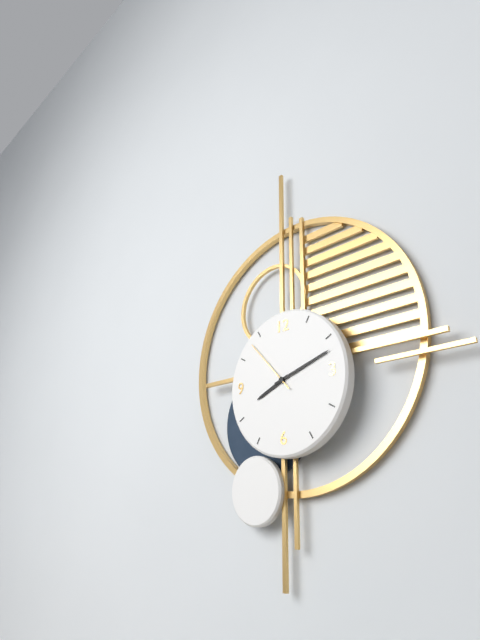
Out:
8.12.53
